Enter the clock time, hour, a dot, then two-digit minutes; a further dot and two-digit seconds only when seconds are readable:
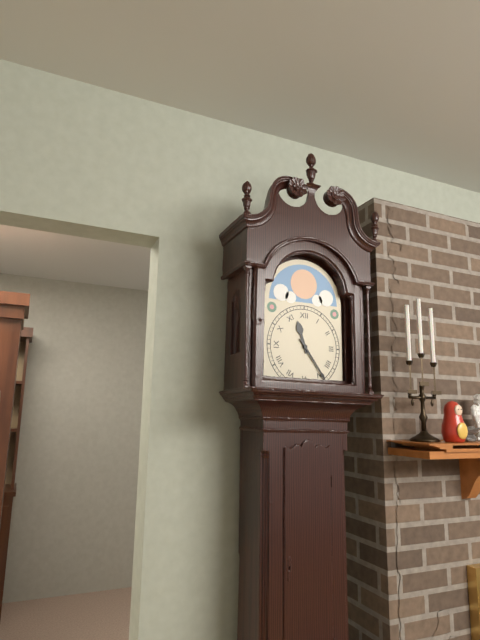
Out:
11.24
